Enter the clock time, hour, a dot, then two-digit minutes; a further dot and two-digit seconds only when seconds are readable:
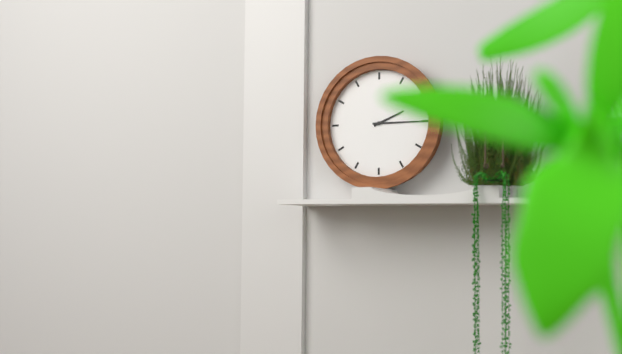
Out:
2.15
